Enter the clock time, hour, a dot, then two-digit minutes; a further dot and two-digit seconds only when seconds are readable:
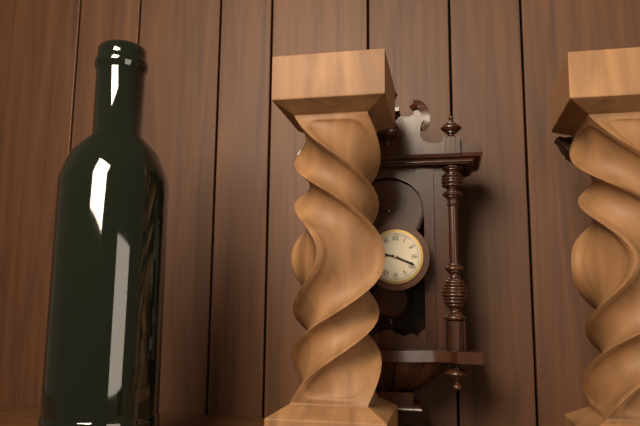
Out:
9.19
